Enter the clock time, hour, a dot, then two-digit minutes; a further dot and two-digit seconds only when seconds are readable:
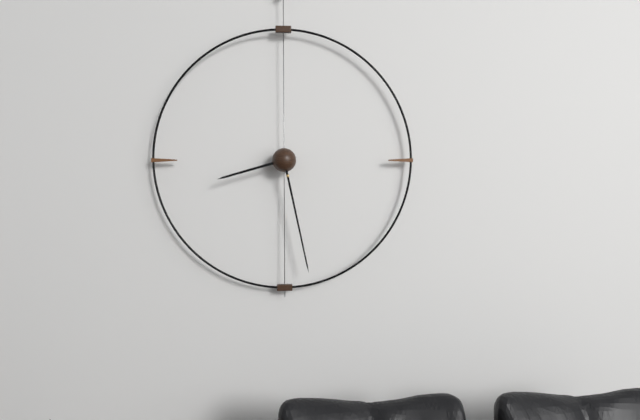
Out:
8.28
